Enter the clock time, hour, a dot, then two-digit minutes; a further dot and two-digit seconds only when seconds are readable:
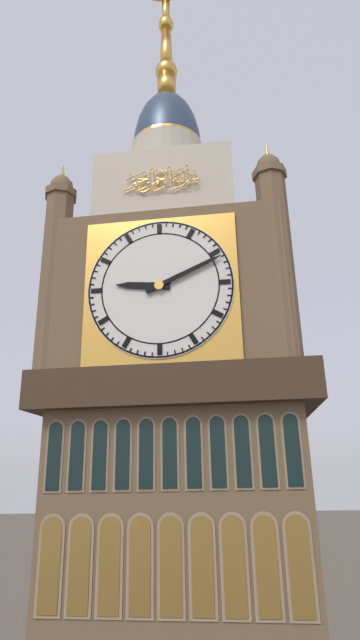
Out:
9.11
